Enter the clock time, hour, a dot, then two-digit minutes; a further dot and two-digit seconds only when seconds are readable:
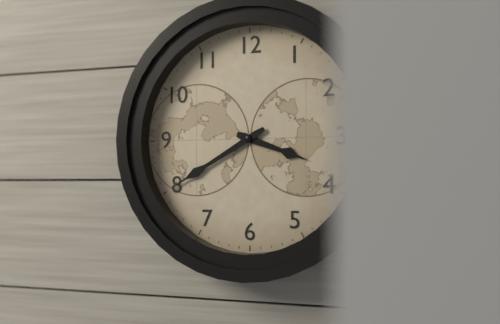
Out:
3.40
